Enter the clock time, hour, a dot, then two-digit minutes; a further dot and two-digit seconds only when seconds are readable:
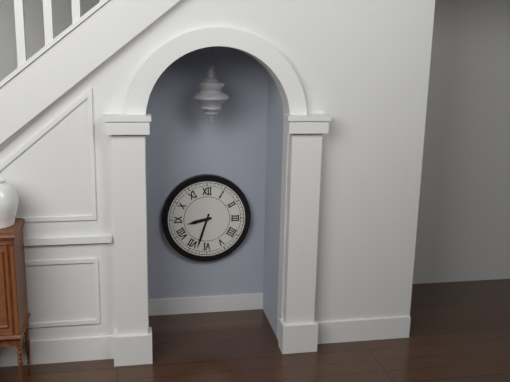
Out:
8.33
